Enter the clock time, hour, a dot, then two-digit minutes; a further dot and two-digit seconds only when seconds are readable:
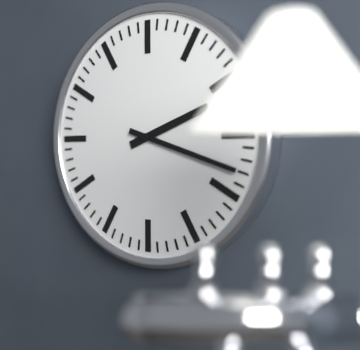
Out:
2.18
